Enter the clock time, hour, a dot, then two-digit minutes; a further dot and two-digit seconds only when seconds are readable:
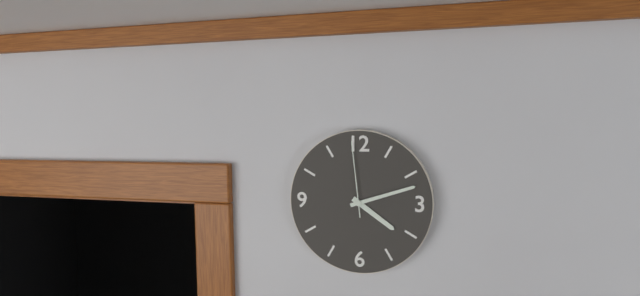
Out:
4.12.59
